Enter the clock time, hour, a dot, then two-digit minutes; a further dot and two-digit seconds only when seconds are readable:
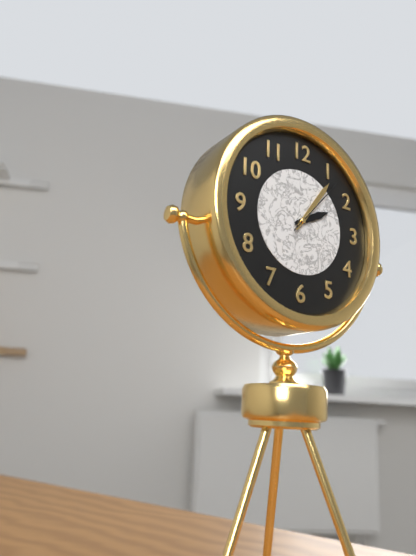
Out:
2.06.07
